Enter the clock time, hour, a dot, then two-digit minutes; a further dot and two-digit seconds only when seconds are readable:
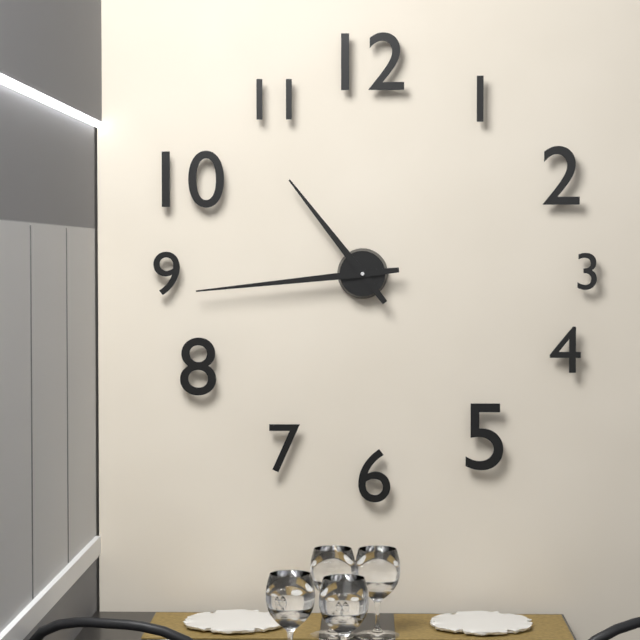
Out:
10.44
